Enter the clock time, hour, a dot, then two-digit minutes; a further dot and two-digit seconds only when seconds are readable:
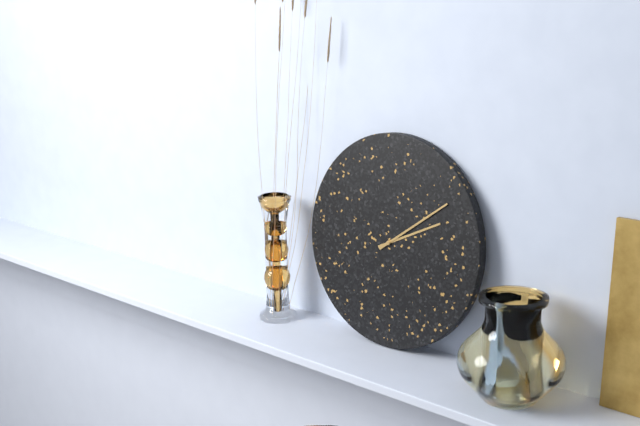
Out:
2.09
